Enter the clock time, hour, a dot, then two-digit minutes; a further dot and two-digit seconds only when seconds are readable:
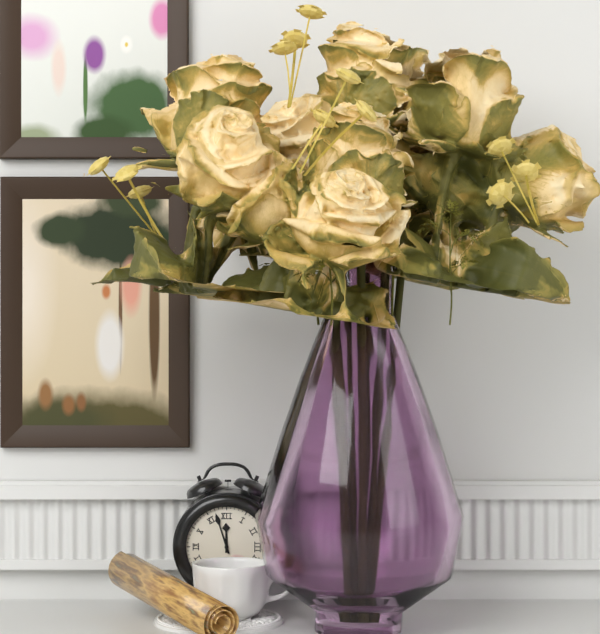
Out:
11.57
